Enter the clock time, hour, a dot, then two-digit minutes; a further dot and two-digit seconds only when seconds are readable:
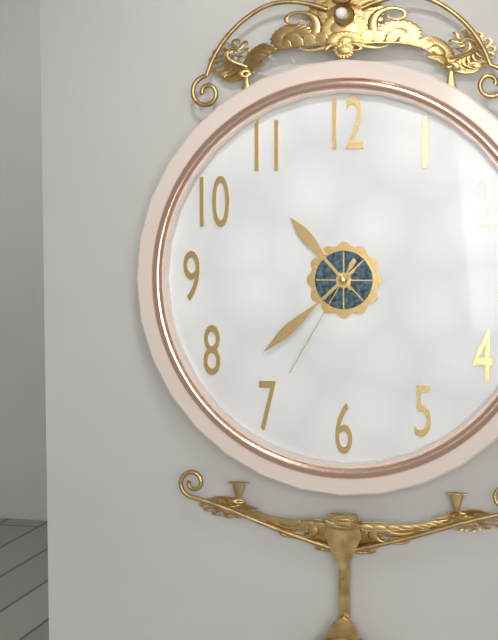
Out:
10.38.35
